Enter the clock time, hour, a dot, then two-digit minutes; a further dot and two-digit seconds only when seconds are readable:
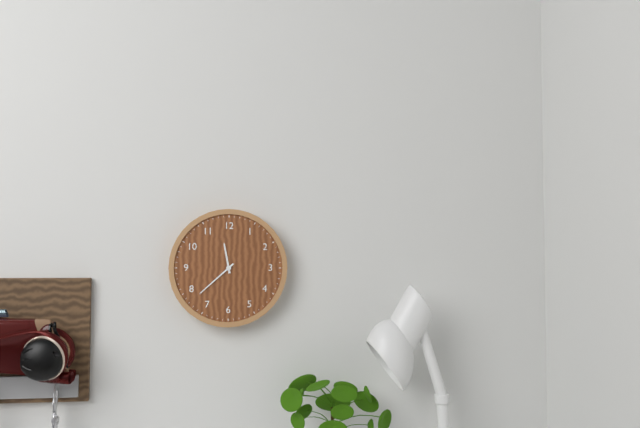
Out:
11.38
